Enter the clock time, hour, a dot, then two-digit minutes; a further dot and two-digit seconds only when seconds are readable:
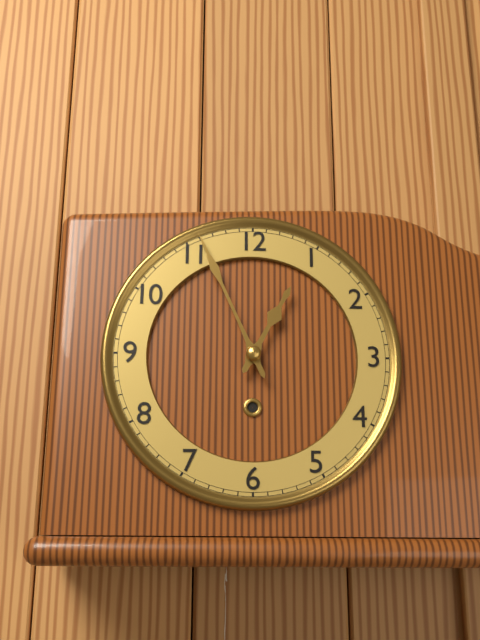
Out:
12.56
